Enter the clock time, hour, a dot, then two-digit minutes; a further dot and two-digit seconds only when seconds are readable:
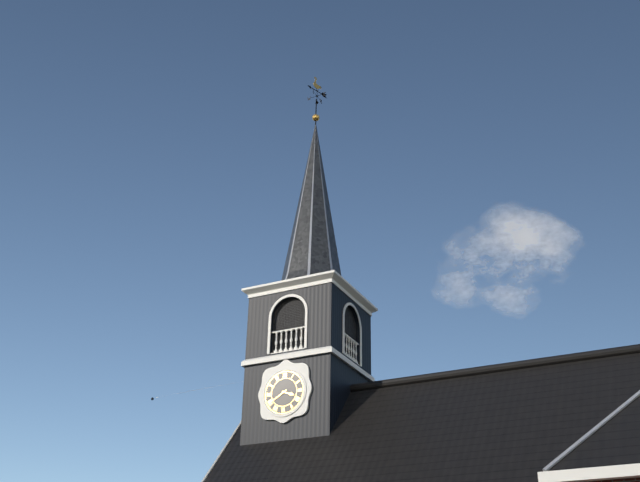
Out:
3.40
